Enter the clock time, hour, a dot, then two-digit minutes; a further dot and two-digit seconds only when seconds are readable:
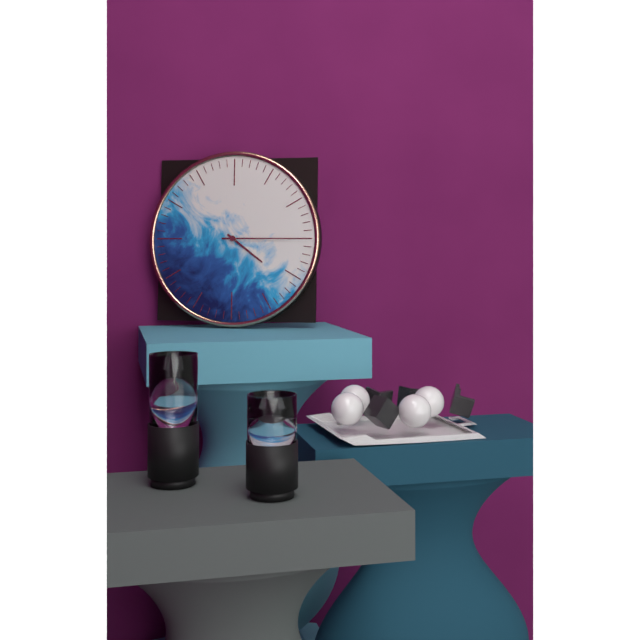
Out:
4.15
